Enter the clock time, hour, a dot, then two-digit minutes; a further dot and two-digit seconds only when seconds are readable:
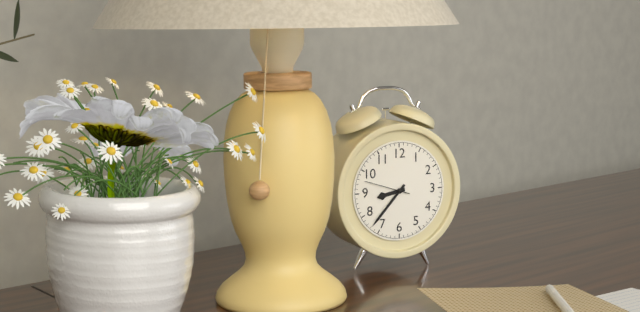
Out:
8.37
